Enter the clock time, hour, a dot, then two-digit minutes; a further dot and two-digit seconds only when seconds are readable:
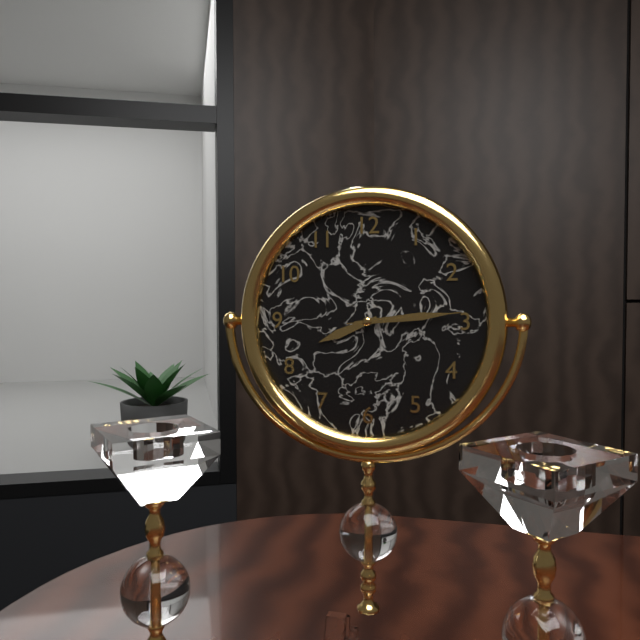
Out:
8.14.14
